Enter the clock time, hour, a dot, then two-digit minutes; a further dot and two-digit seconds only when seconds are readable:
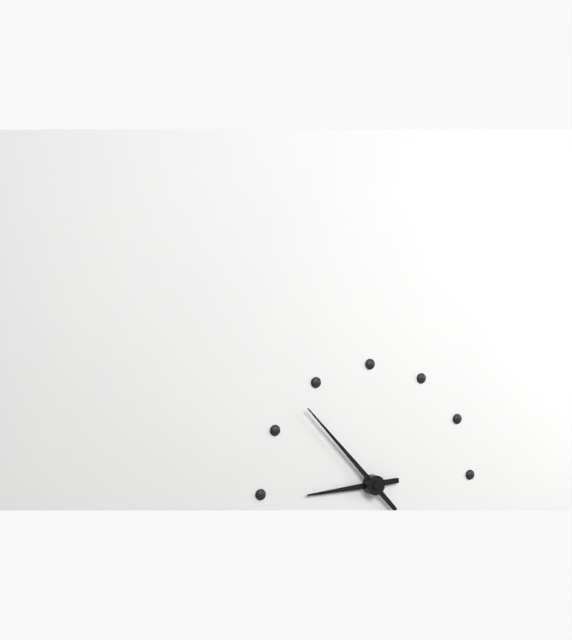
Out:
8.53
